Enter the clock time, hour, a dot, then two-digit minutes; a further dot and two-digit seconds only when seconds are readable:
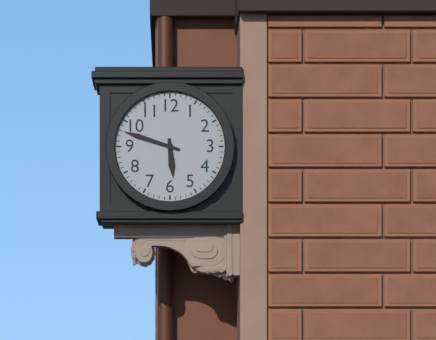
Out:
5.48
